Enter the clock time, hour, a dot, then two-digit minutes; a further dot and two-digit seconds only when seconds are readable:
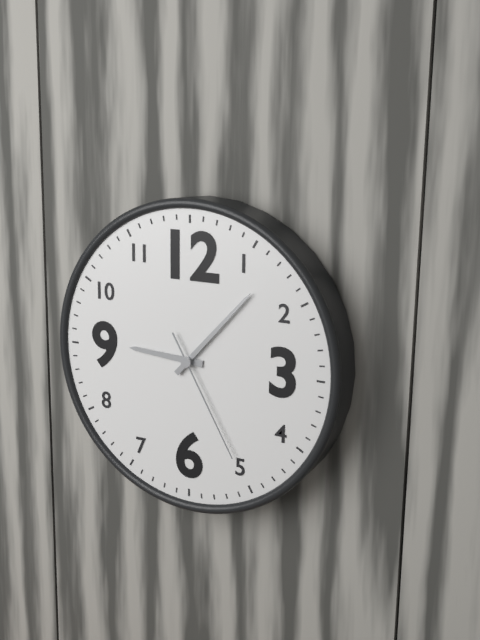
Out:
9.07.25
